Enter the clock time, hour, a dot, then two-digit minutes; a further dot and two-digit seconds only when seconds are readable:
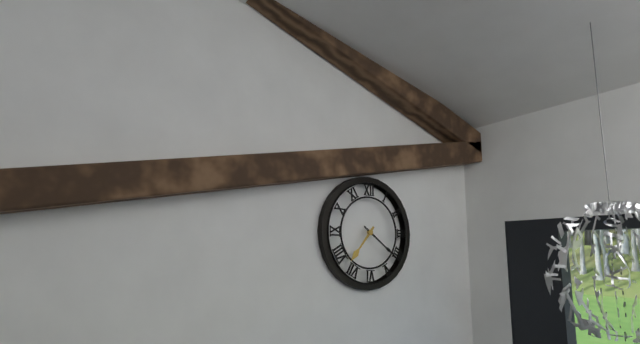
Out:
7.21
